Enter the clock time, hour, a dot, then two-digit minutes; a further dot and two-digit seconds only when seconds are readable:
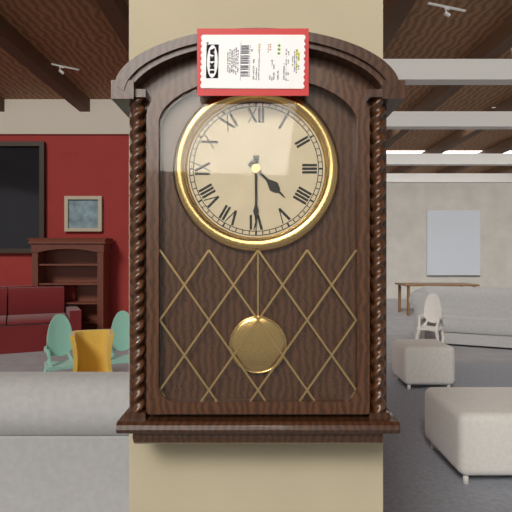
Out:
4.30
